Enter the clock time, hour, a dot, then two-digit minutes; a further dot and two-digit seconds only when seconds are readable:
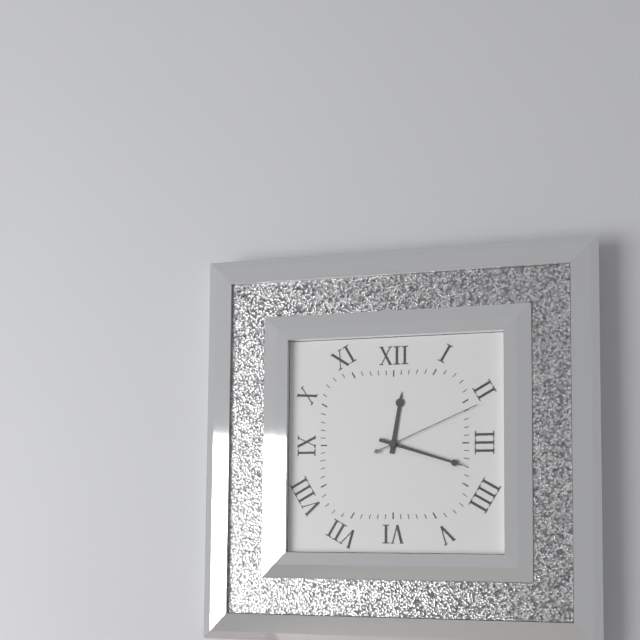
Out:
12.18.11
